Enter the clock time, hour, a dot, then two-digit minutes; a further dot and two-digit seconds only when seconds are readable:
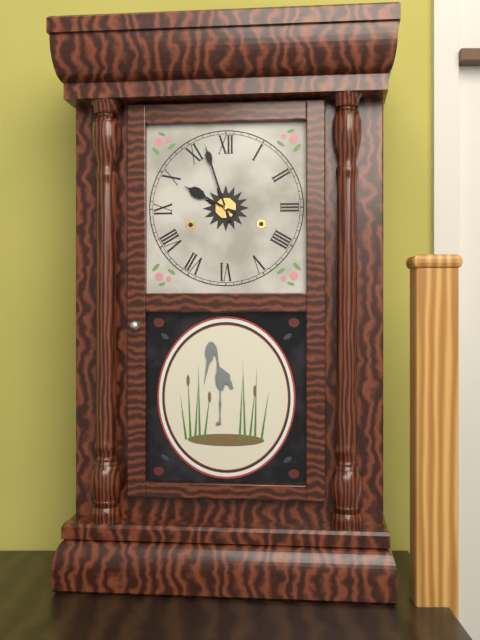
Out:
9.57
